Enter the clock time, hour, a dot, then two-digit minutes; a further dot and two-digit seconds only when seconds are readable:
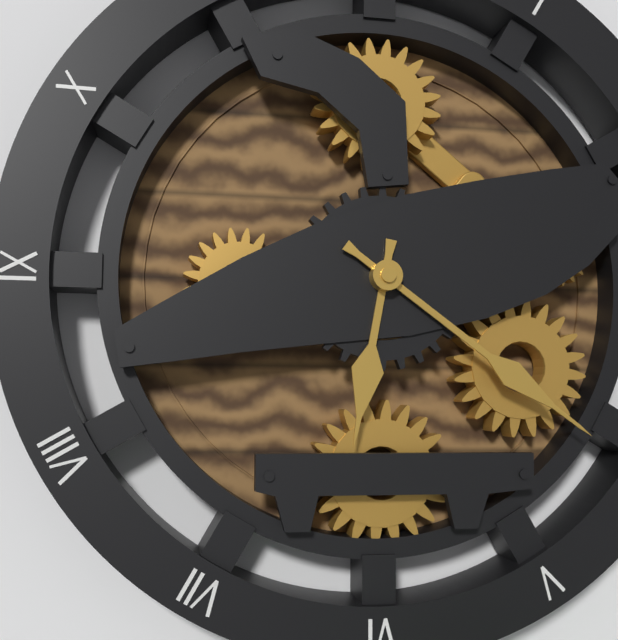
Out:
6.21
